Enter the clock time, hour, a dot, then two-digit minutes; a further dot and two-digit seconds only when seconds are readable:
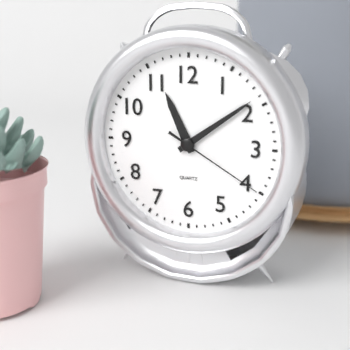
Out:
11.09.20
